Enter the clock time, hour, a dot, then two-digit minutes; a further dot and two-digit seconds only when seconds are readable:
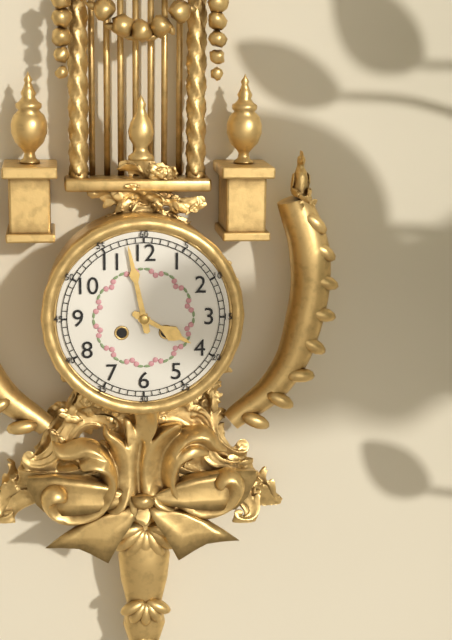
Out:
3.58
